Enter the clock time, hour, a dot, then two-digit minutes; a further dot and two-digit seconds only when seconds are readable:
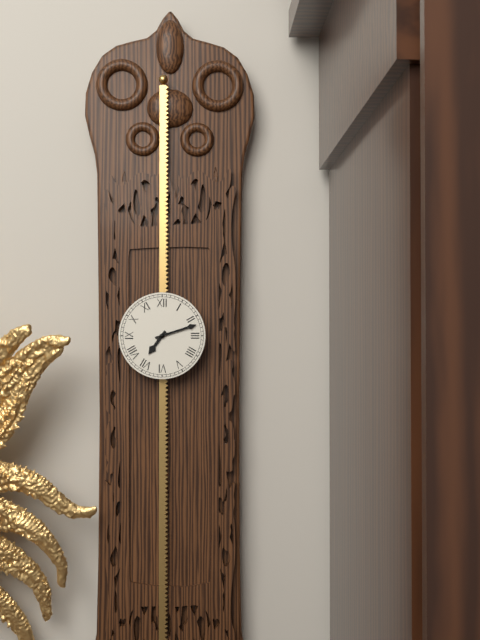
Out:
7.12
